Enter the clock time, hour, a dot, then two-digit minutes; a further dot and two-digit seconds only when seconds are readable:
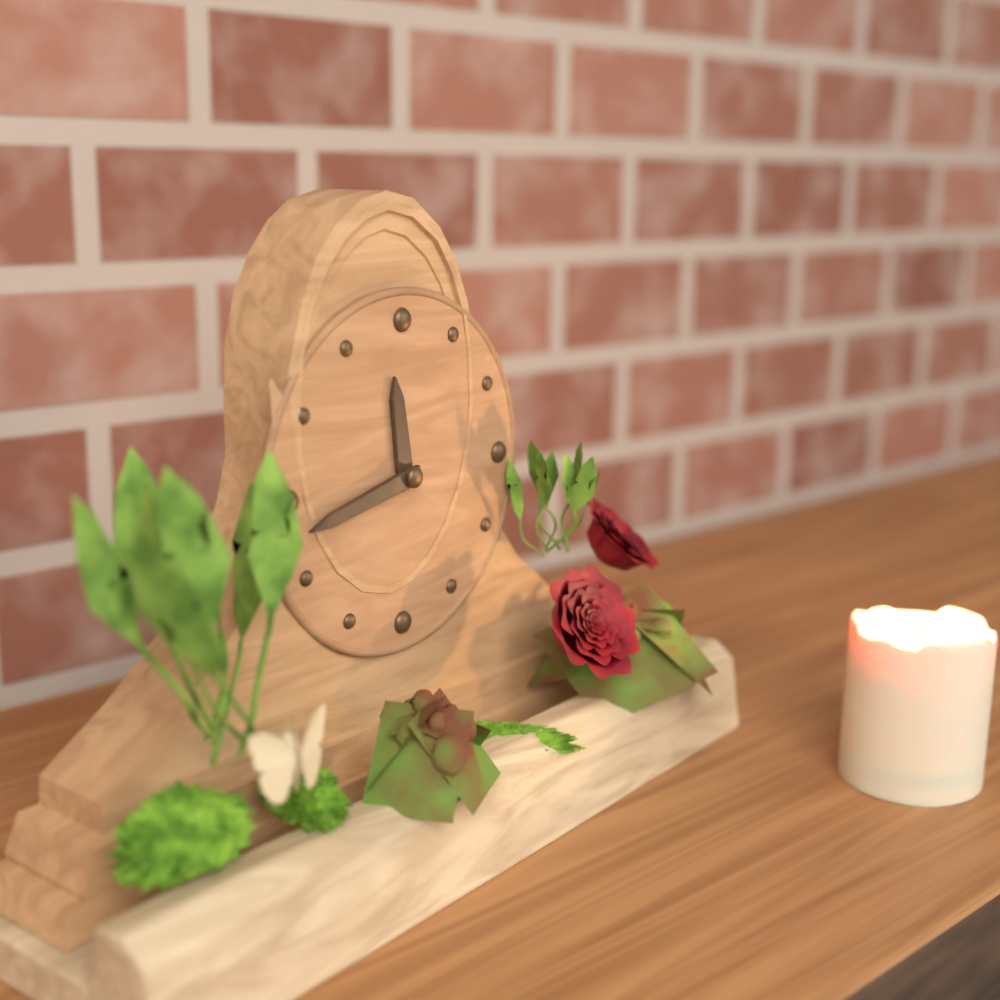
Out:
11.43
